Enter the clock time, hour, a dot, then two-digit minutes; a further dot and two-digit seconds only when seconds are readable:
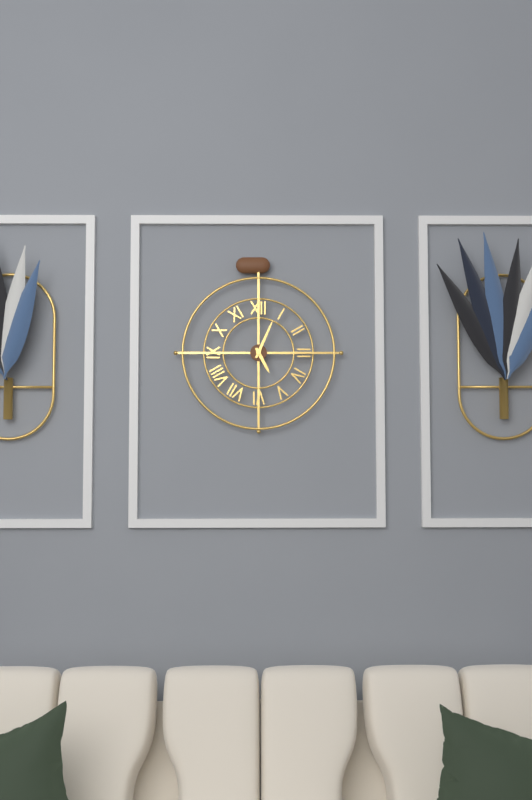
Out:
5.04
